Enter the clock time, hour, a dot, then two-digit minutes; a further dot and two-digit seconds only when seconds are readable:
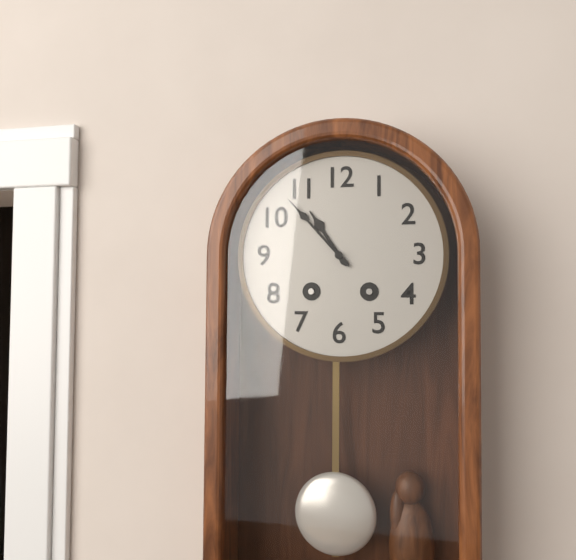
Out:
10.53
